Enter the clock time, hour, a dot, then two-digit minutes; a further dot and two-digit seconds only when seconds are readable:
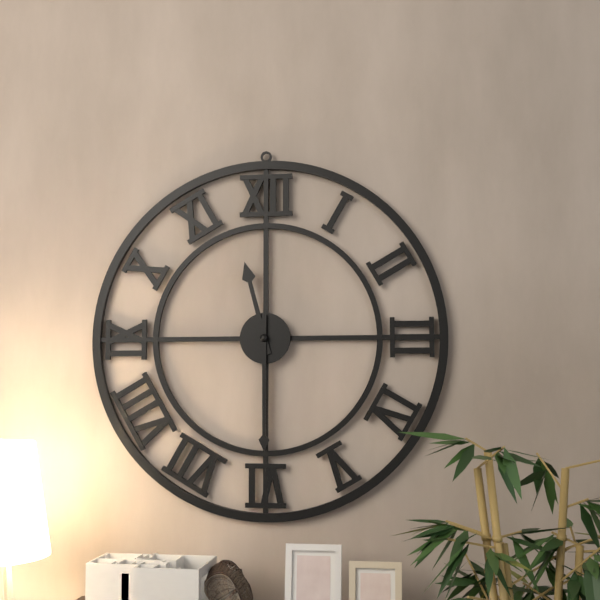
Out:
11.30
